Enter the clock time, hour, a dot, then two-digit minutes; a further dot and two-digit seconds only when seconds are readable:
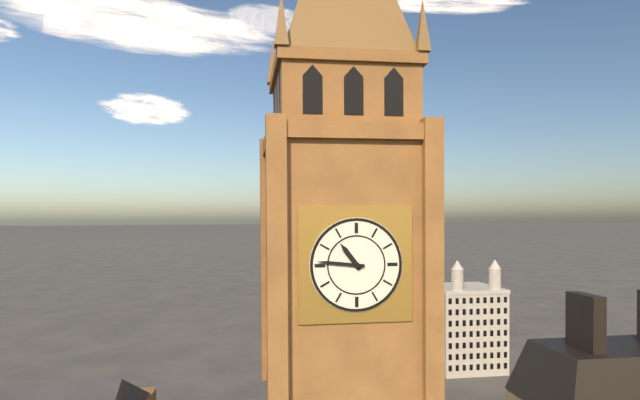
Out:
10.46
